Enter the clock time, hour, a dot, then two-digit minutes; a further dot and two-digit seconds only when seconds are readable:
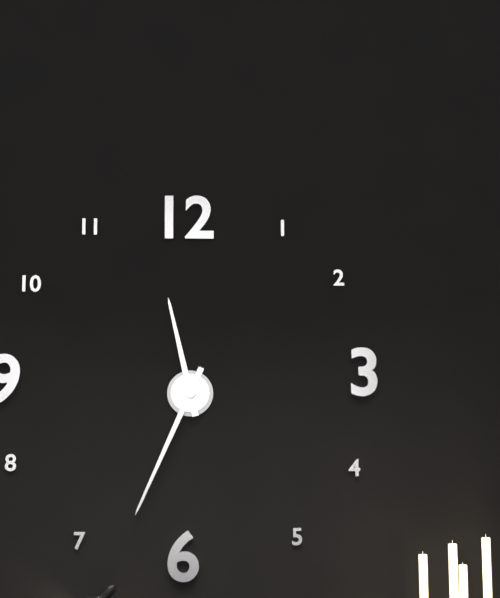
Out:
11.34
